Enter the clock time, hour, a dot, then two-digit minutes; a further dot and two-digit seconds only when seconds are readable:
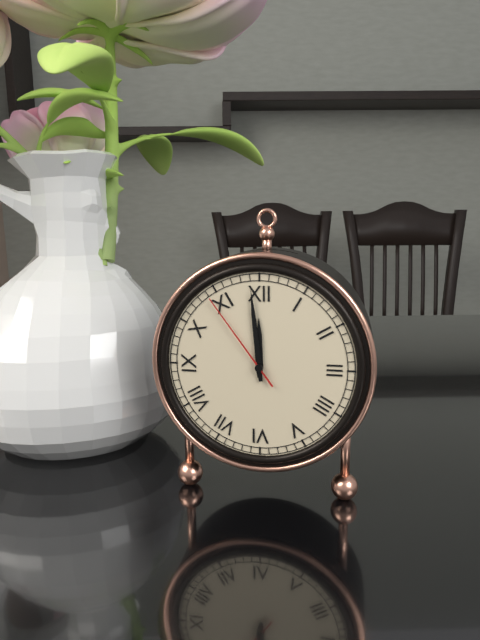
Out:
11.59.54
